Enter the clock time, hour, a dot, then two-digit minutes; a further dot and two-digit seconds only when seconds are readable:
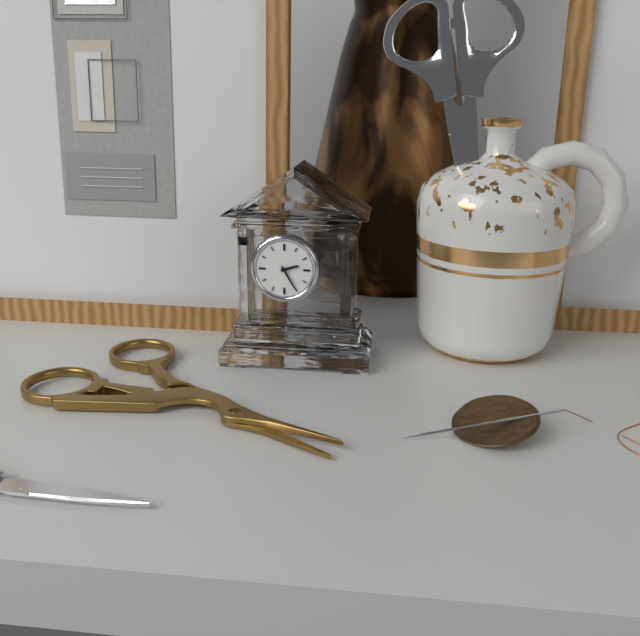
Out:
2.25
